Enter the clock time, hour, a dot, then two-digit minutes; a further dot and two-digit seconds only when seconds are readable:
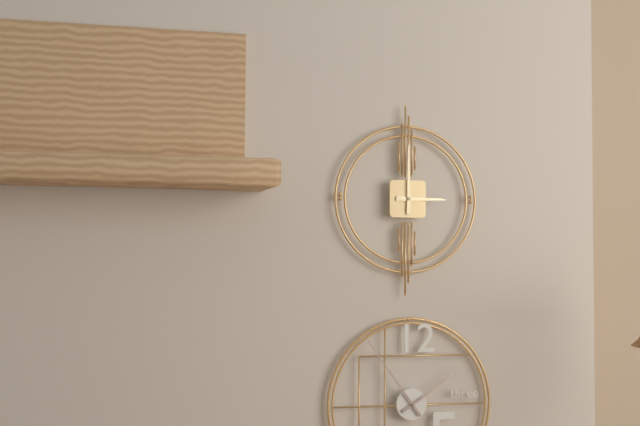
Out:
3.00
